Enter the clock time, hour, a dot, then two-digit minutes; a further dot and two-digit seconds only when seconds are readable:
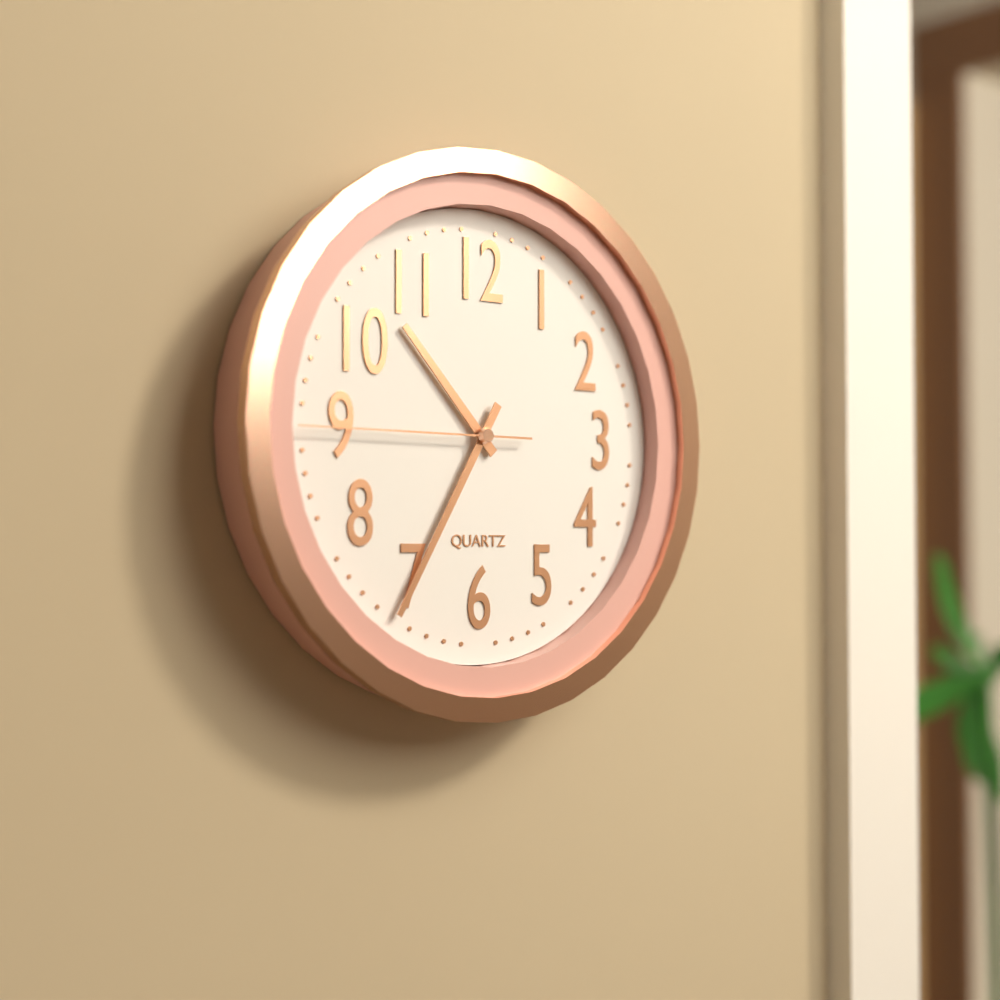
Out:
10.35.45
